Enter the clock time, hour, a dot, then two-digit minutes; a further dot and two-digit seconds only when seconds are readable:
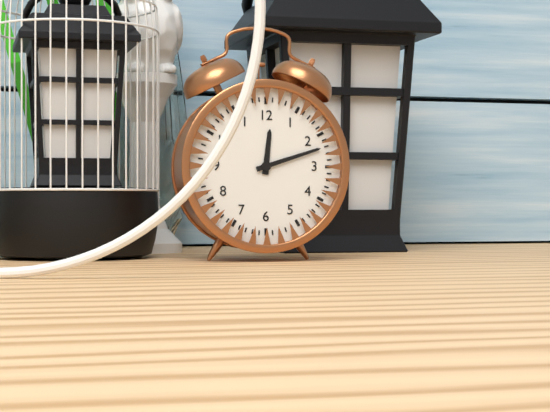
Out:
12.12
